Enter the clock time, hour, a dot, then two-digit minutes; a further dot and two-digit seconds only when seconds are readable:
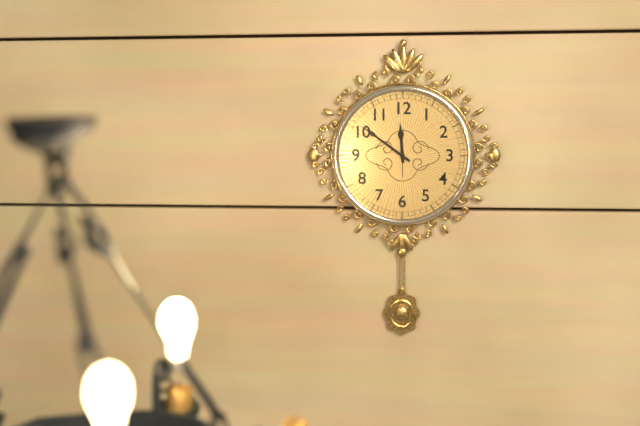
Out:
11.51
